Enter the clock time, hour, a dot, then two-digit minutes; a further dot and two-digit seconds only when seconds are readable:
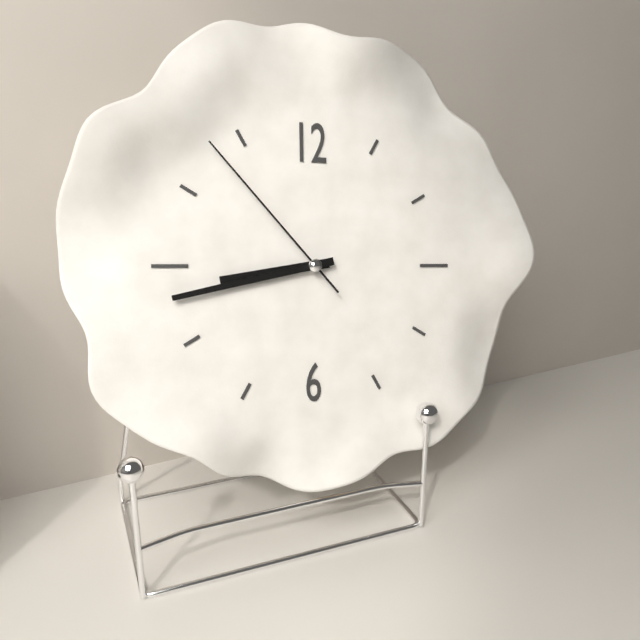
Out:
8.43.53
